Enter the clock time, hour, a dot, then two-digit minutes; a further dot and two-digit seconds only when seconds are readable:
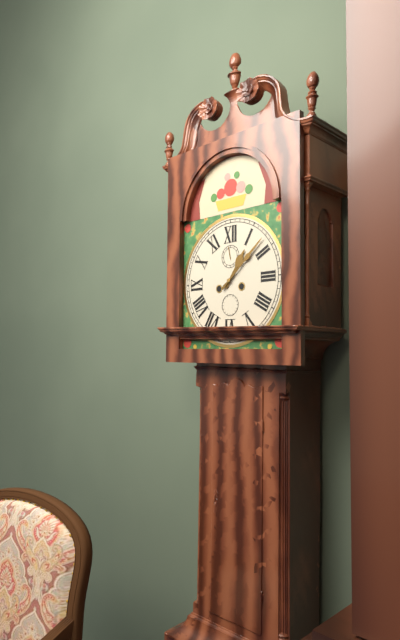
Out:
1.08
